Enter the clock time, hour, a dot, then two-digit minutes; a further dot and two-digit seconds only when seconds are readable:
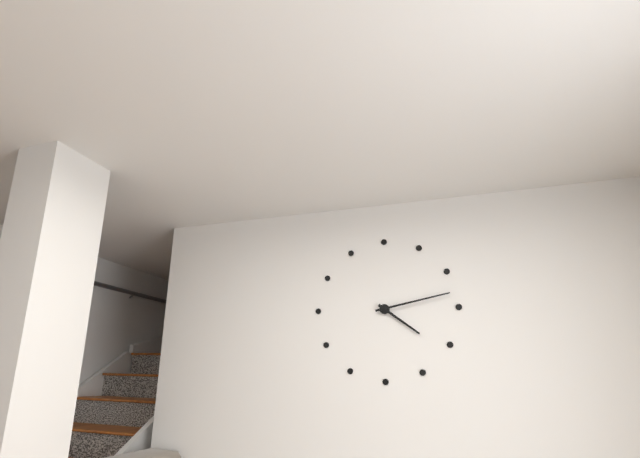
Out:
4.13
